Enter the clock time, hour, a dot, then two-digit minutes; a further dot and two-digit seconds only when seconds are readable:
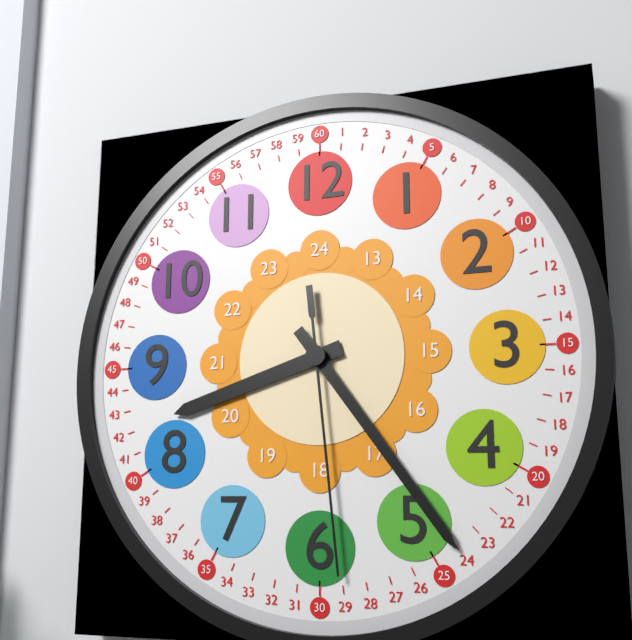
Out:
8.24.29
